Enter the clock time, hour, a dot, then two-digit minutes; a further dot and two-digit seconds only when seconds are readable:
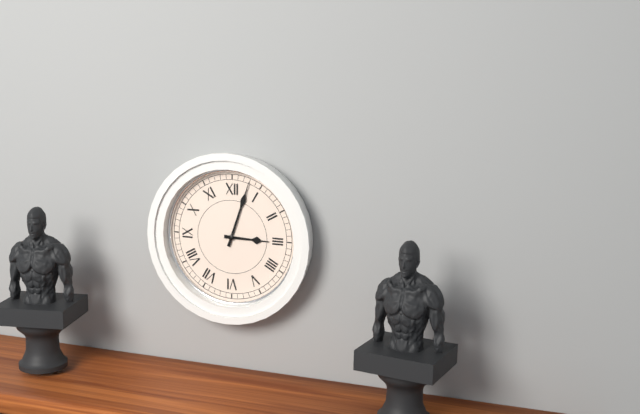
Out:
3.03
